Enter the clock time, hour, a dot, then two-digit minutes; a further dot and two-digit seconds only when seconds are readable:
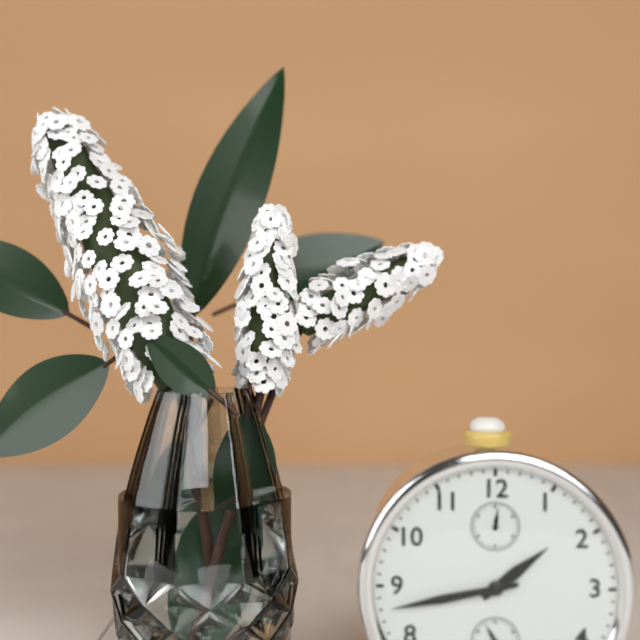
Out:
1.43
